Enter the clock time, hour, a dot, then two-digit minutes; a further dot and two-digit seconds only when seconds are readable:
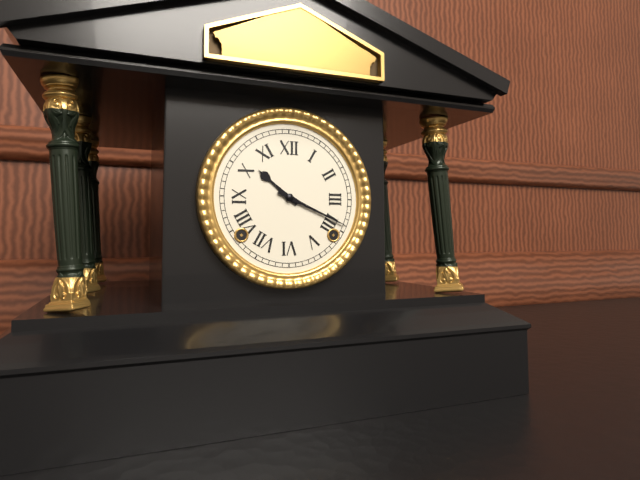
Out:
10.19
